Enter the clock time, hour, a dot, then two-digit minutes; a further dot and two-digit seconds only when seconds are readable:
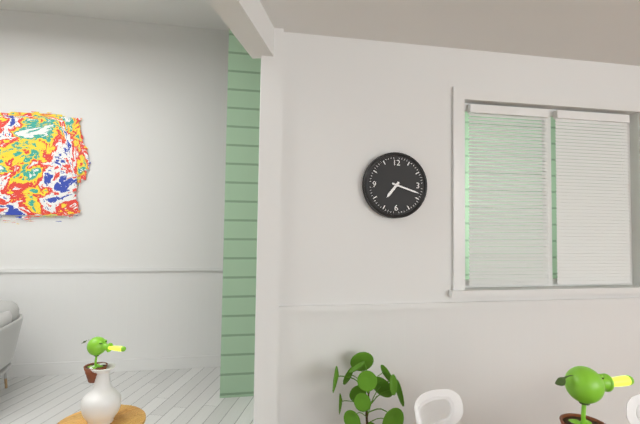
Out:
7.18
